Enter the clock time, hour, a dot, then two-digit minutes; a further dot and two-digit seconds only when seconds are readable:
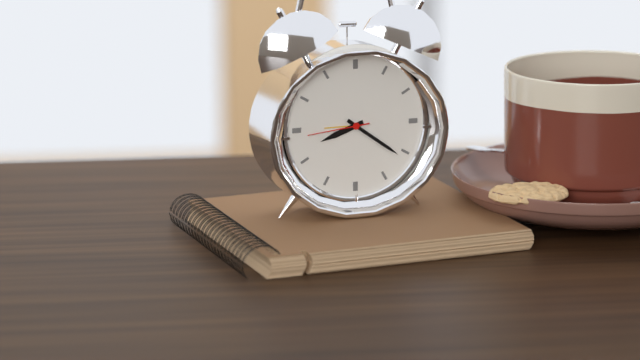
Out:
8.21.44
